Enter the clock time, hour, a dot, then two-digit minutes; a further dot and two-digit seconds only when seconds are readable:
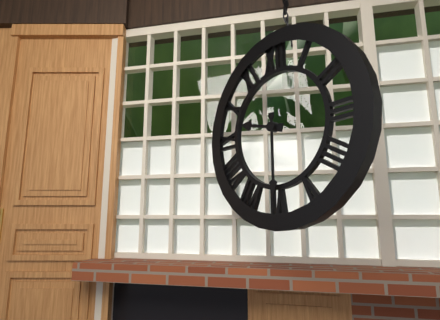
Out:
9.30
